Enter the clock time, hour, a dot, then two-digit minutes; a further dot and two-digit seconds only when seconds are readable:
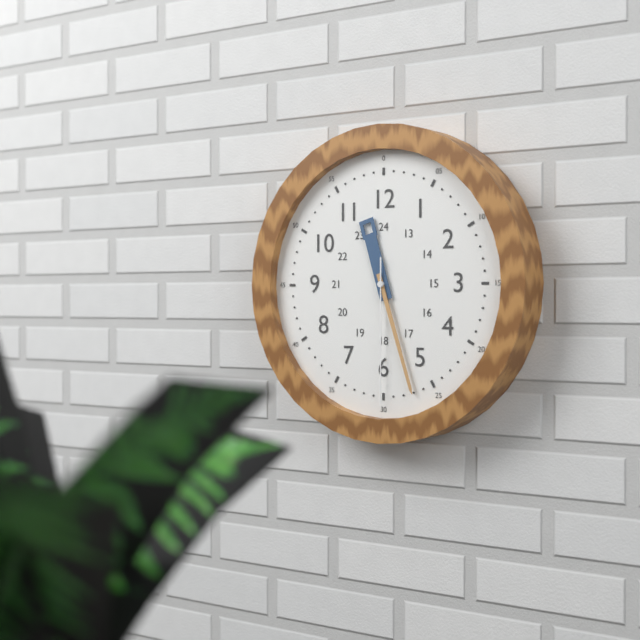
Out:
11.27.30
